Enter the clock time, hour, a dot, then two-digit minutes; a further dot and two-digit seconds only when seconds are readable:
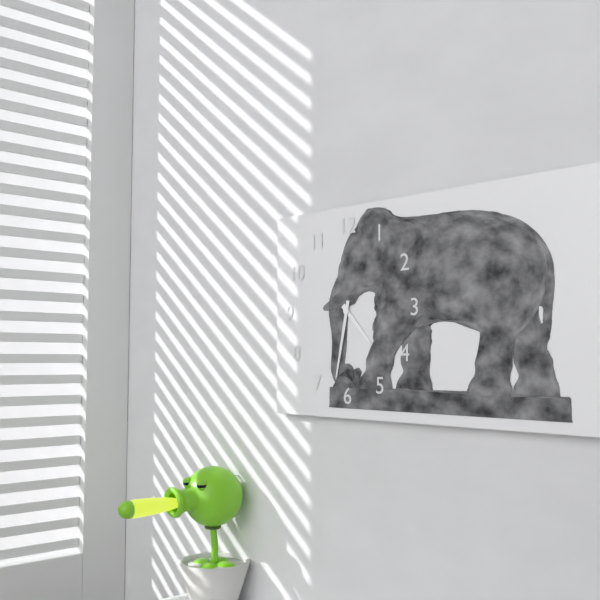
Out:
4.32
